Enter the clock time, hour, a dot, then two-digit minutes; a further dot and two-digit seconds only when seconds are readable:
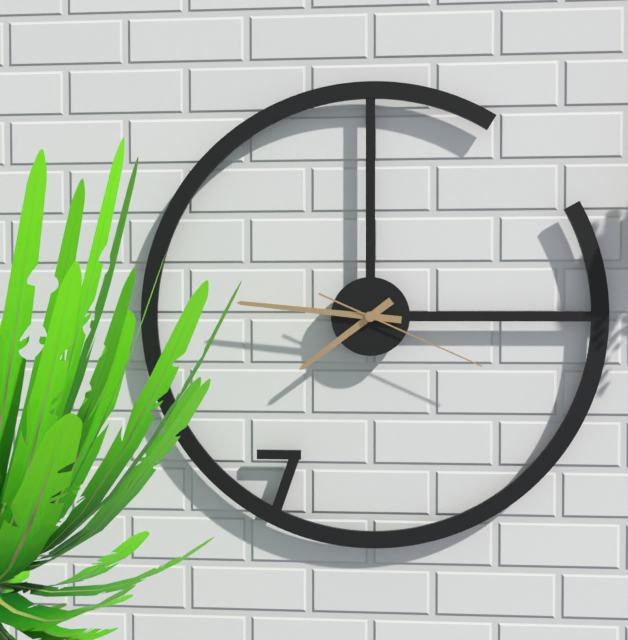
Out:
7.46.19
